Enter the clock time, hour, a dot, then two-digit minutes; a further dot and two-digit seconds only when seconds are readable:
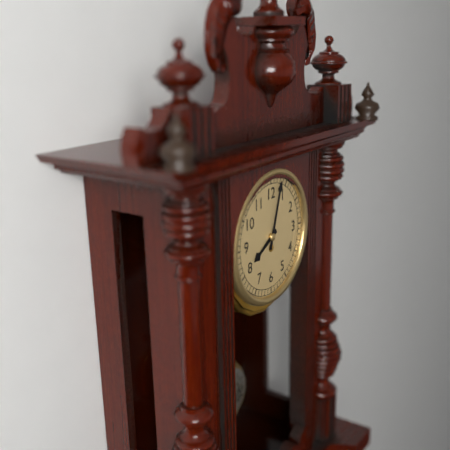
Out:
8.03
